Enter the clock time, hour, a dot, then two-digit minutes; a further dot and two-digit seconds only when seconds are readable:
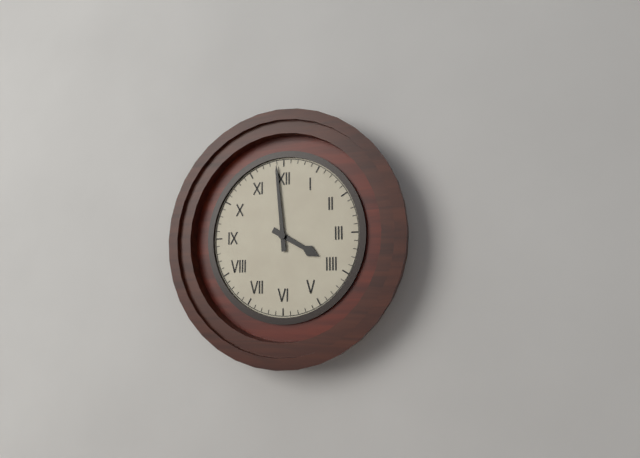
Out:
3.59
